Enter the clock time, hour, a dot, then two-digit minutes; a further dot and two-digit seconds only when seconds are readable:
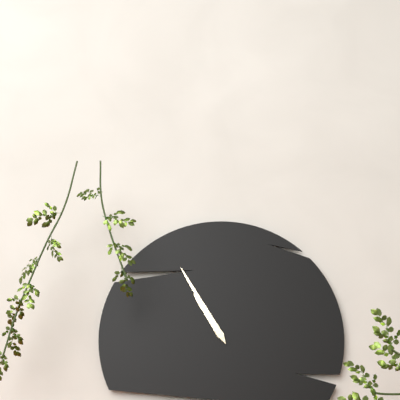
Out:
10.55
